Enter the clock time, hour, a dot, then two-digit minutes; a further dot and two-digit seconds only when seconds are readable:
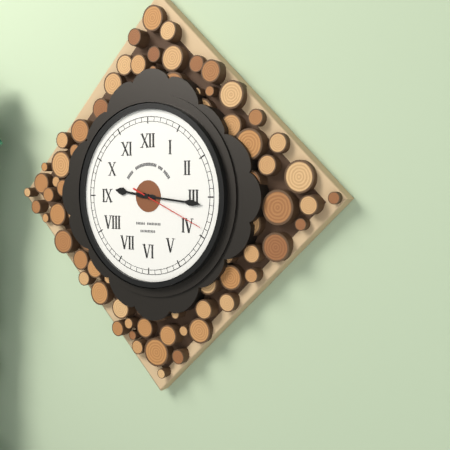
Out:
9.16.19
